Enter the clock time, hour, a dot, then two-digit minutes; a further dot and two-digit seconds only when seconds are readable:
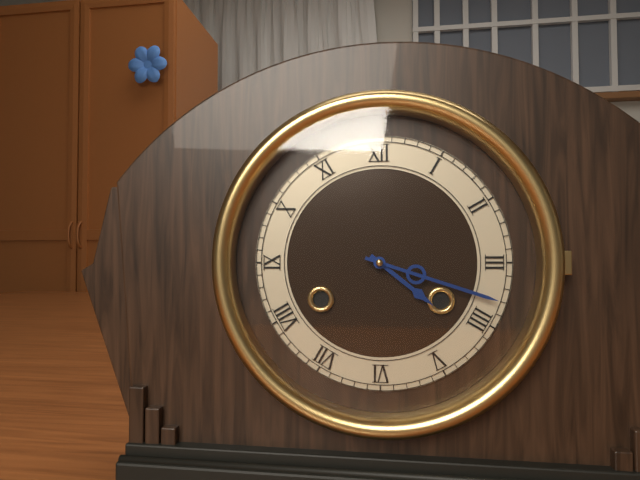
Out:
4.18
